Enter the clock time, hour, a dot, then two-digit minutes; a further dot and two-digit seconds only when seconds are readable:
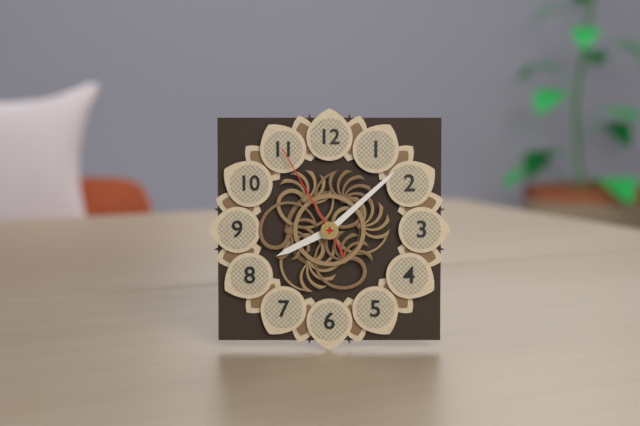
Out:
8.08.55
